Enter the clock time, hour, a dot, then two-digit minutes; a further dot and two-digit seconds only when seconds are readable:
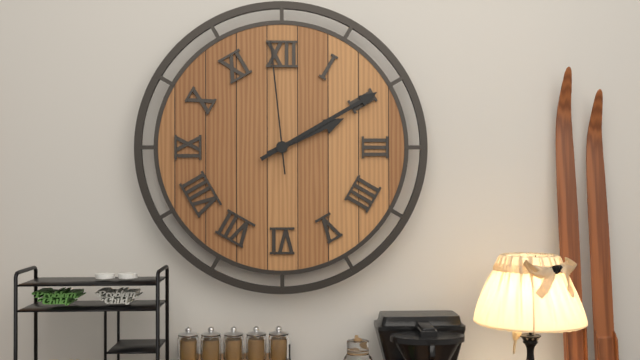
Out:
2.10.59
